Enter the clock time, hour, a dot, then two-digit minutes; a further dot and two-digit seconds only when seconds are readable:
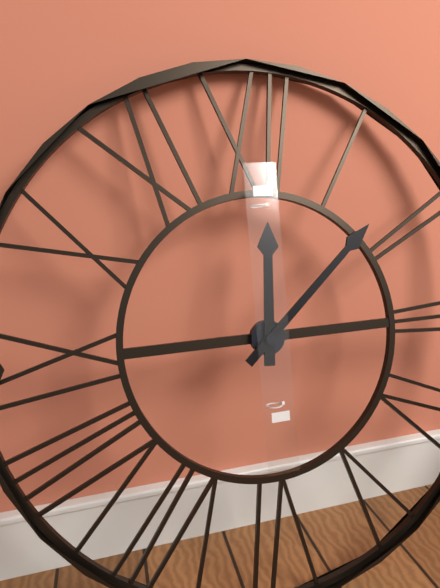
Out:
12.08
